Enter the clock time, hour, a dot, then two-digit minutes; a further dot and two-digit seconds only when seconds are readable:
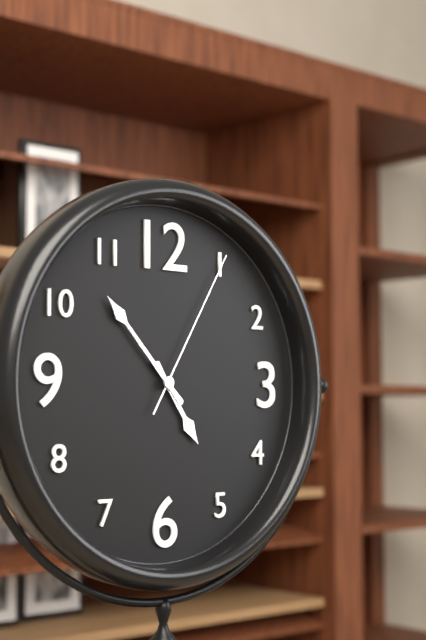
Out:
4.53.05
